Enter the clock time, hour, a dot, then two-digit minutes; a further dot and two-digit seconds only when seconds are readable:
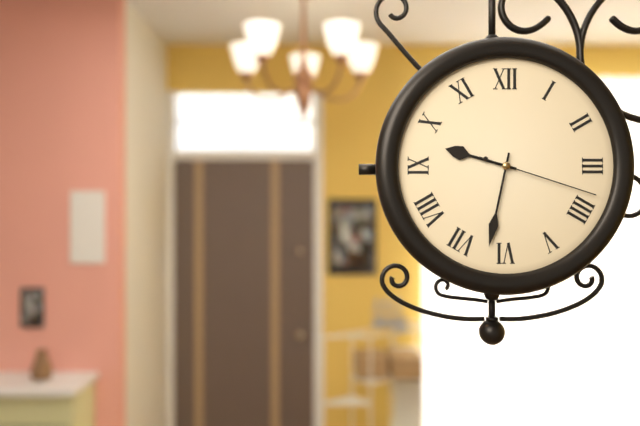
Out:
9.32.18
